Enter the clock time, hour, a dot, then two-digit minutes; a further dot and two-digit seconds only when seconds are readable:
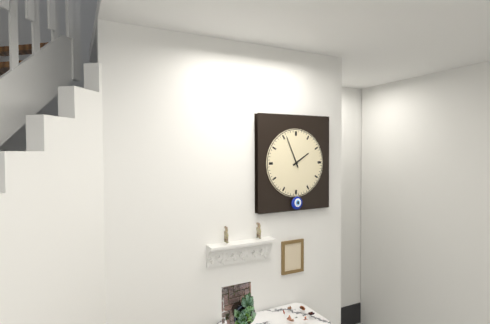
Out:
1.56
